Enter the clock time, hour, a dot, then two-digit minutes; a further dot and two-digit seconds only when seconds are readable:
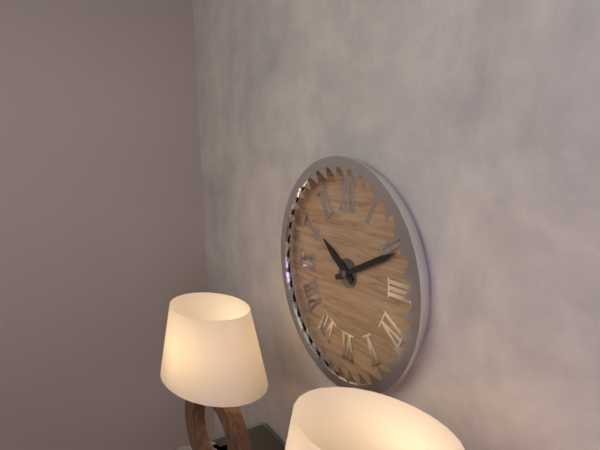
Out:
10.11
